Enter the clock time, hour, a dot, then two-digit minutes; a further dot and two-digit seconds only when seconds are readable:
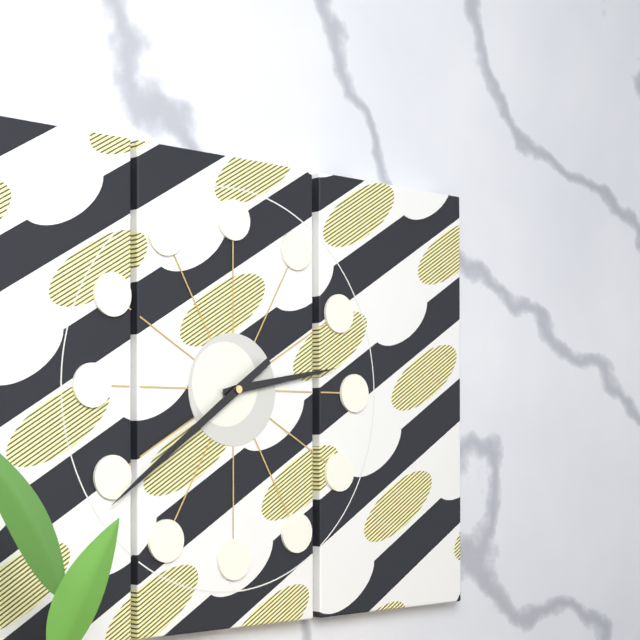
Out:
2.39
